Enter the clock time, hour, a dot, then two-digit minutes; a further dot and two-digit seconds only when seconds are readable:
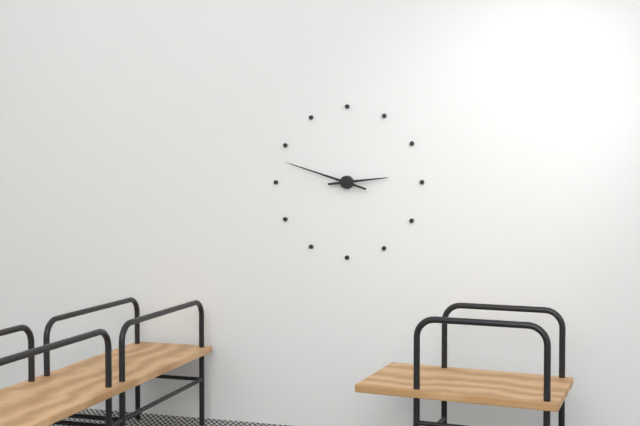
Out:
2.48
